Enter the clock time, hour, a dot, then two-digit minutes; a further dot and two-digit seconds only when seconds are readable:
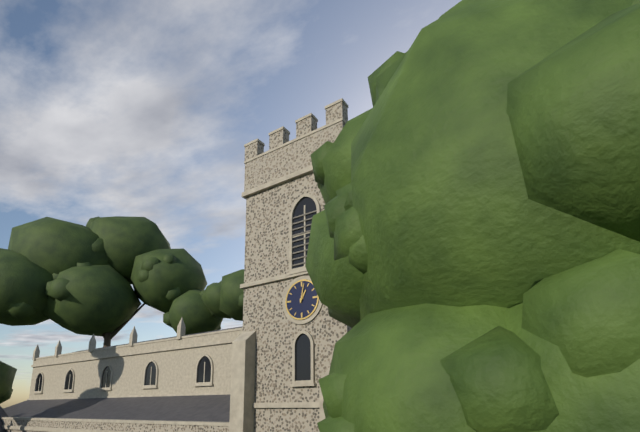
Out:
1.02
